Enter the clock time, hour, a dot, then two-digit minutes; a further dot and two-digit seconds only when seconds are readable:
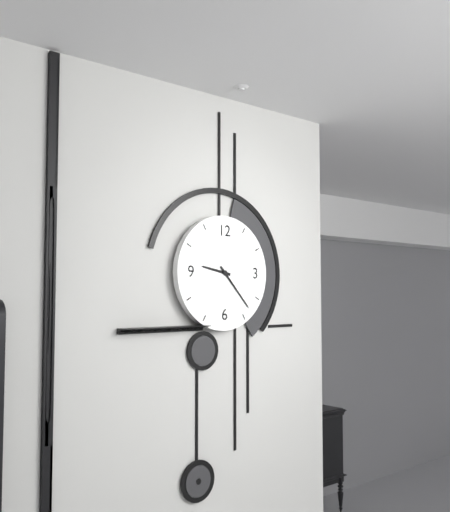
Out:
9.23
